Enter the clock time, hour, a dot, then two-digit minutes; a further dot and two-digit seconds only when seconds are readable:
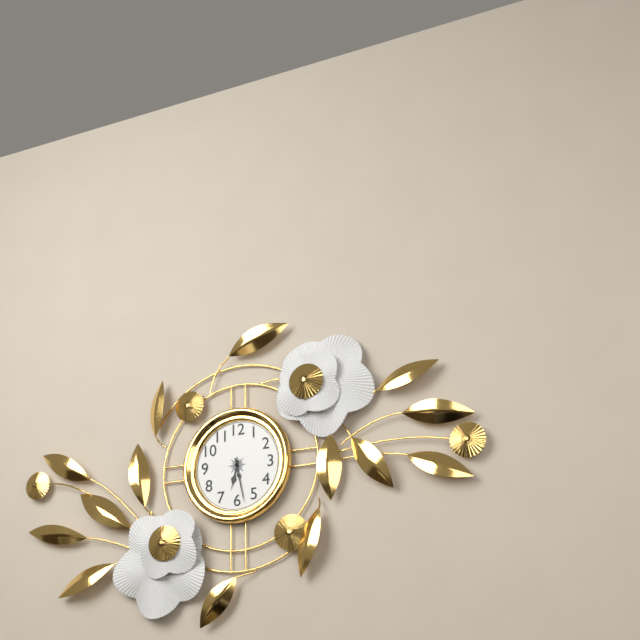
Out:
6.28
